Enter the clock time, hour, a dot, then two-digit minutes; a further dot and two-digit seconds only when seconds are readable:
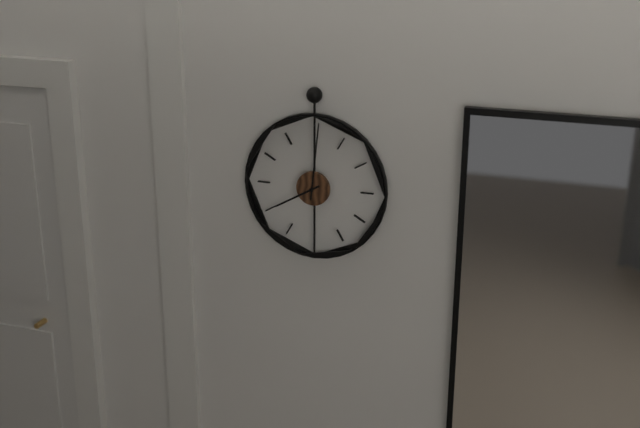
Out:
8.01
